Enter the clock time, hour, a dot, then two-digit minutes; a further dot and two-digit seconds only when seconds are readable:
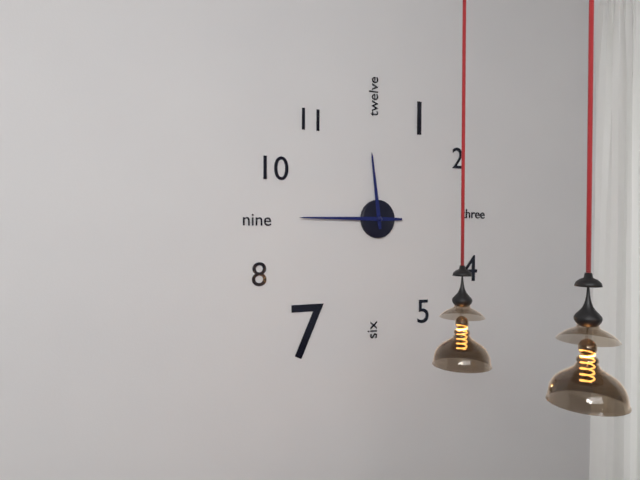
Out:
11.45
